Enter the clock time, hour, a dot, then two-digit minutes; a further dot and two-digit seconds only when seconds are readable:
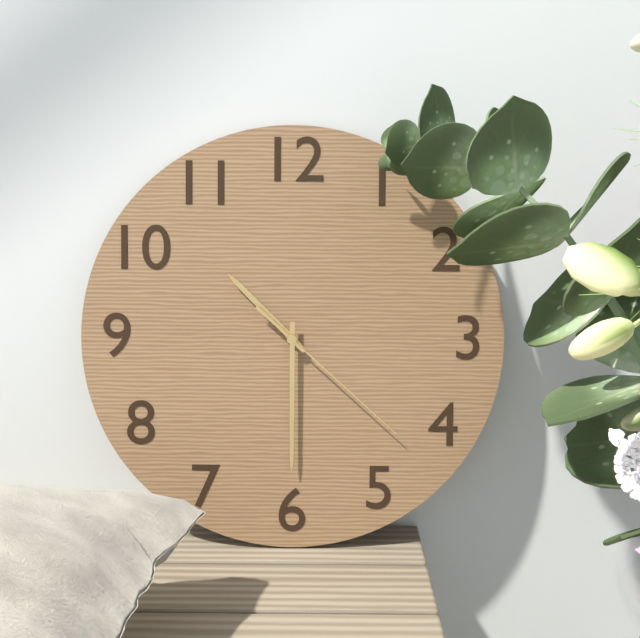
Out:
10.30.22
